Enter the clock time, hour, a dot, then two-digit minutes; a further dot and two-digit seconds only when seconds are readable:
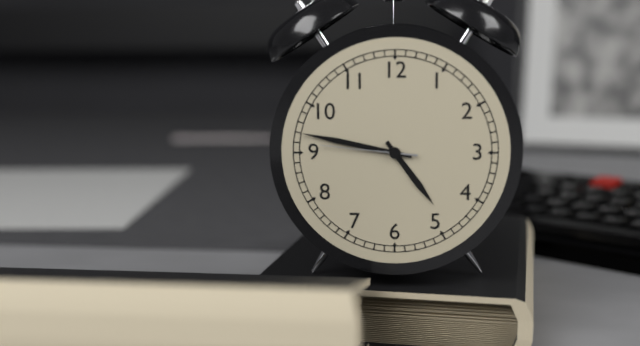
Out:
4.47.46
